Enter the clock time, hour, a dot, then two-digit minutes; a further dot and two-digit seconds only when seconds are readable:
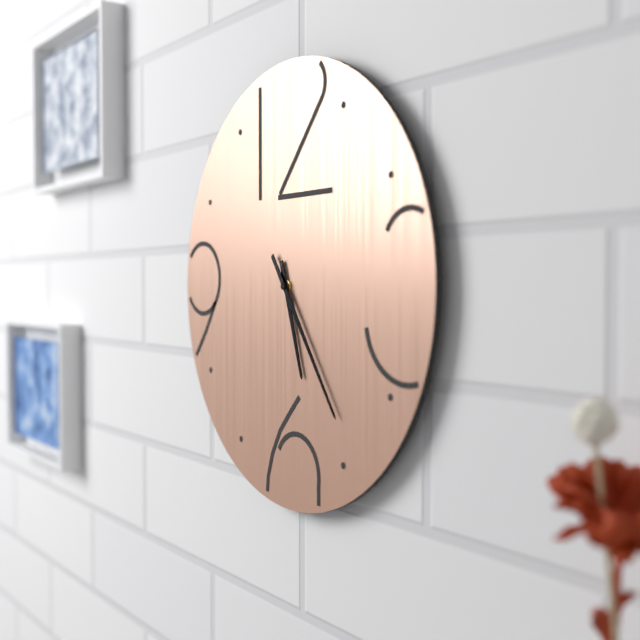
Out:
5.24
